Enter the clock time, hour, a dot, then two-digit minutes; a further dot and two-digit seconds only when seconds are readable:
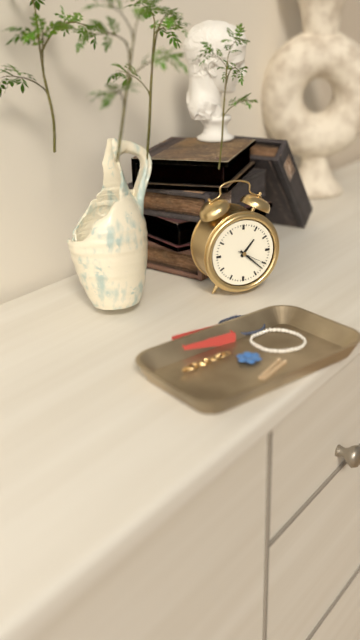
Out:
1.22
